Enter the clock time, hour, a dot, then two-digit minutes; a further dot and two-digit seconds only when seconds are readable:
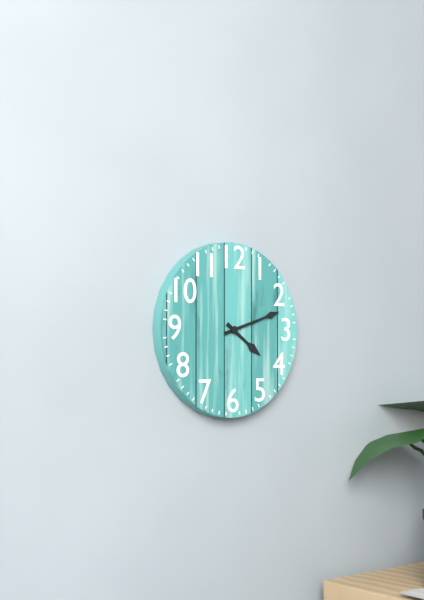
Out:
4.12
